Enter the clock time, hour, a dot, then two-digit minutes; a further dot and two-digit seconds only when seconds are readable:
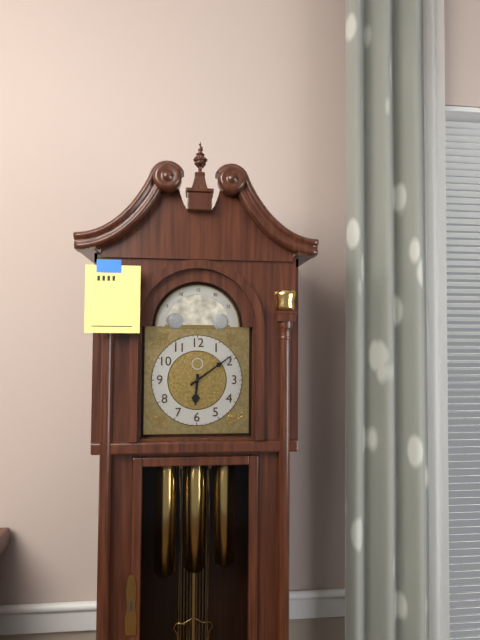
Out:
6.09
